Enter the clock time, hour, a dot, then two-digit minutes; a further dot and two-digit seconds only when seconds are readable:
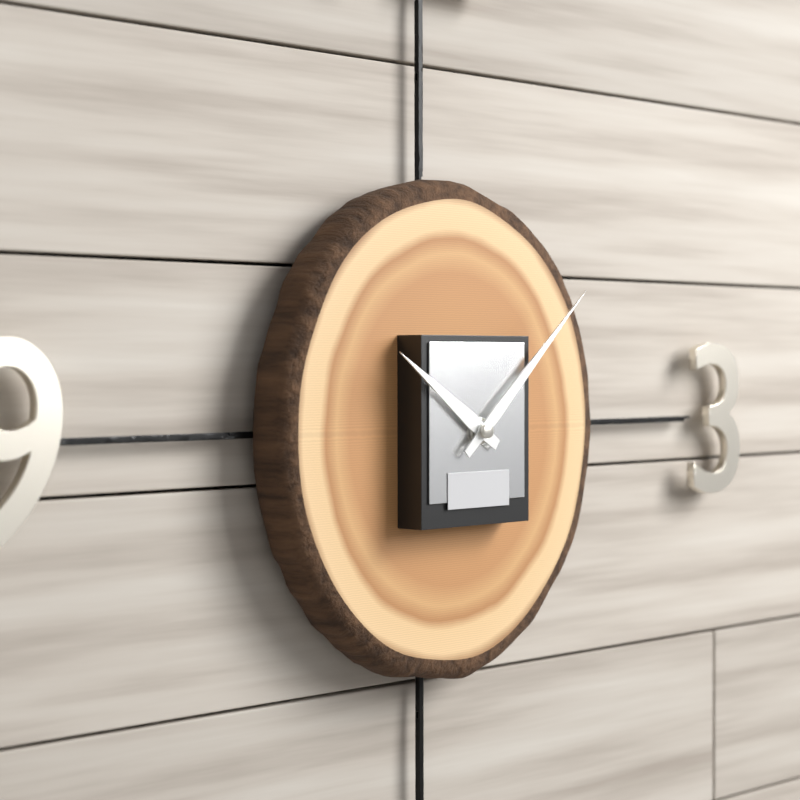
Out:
10.08
